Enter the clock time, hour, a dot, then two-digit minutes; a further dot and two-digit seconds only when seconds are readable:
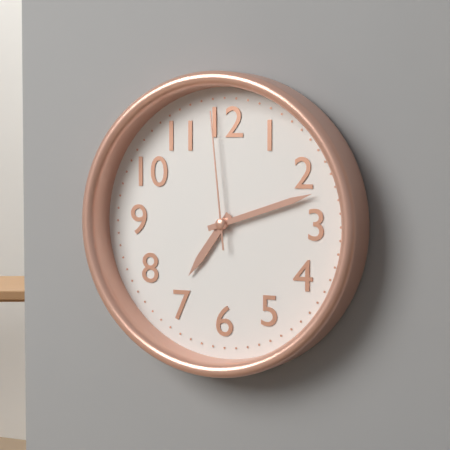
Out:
7.12.59
